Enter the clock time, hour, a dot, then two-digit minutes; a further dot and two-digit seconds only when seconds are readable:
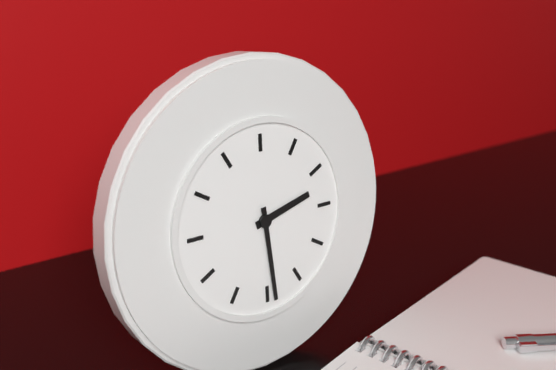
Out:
2.29
